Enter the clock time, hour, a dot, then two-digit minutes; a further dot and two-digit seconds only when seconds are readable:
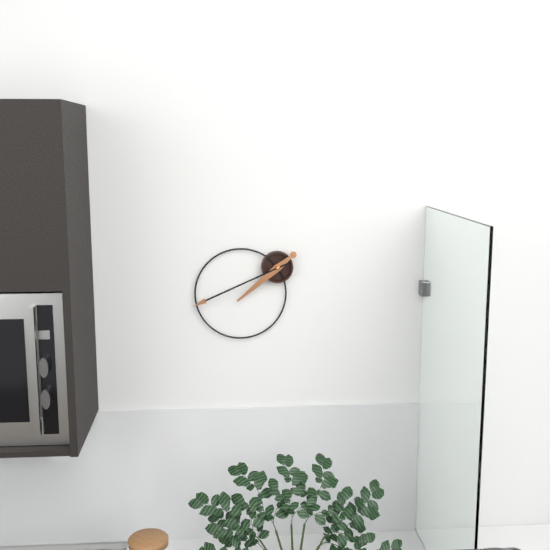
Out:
7.41
